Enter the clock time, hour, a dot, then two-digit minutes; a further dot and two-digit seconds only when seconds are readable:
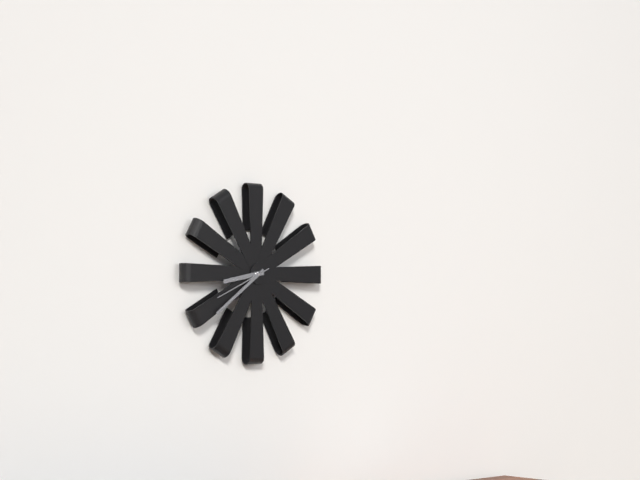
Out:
8.39.41
